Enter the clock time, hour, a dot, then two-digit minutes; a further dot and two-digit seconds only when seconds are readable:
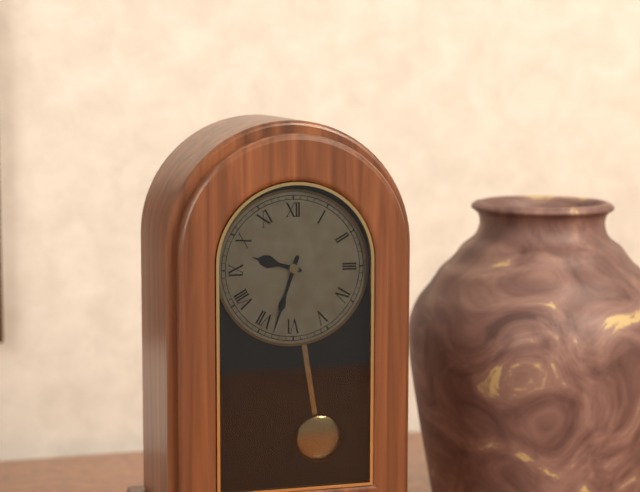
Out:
9.33
